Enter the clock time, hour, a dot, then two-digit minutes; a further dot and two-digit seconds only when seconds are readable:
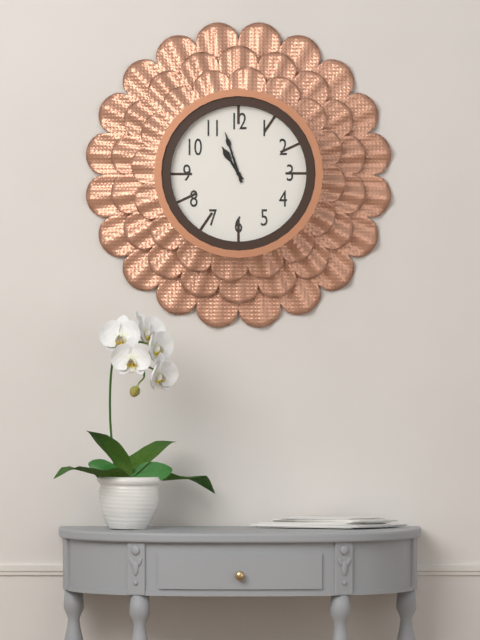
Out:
10.57
